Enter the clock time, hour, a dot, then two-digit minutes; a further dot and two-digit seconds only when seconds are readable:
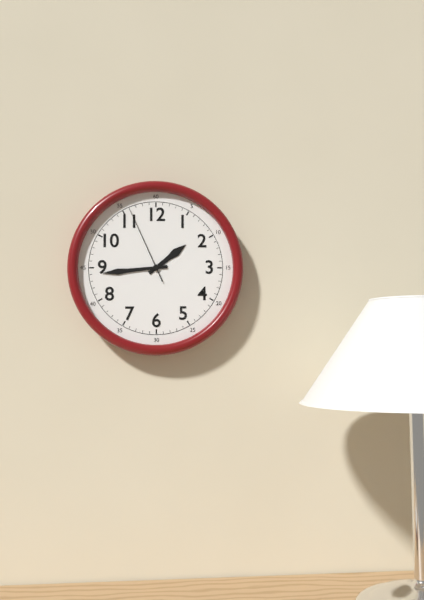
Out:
1.44.56
